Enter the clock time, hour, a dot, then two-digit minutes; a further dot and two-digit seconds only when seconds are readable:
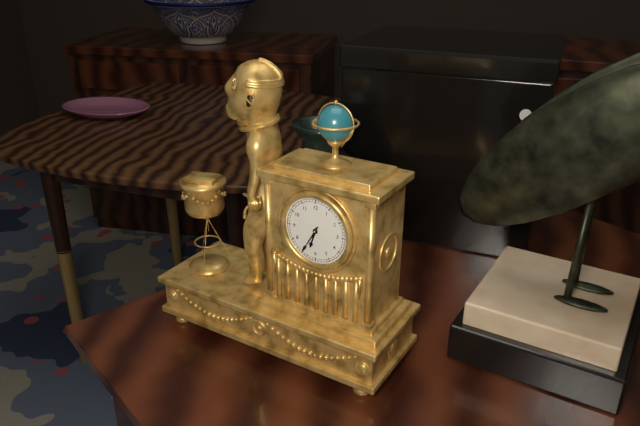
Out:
6.35
